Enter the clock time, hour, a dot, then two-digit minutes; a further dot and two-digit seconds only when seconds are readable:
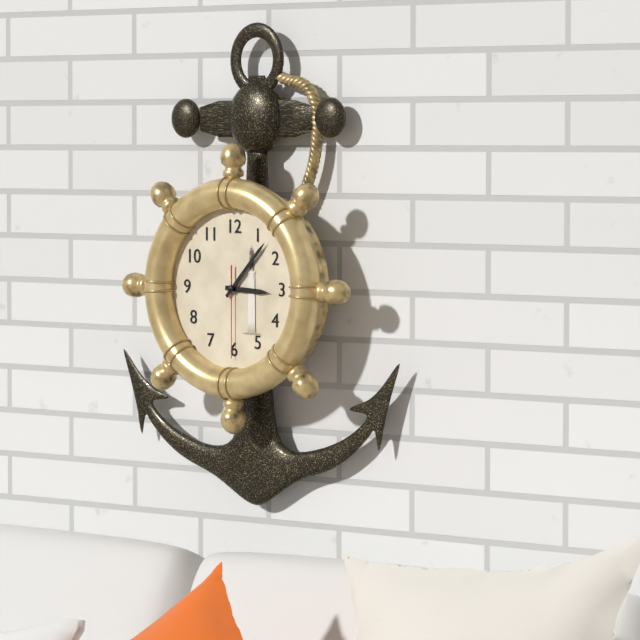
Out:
3.07.30
